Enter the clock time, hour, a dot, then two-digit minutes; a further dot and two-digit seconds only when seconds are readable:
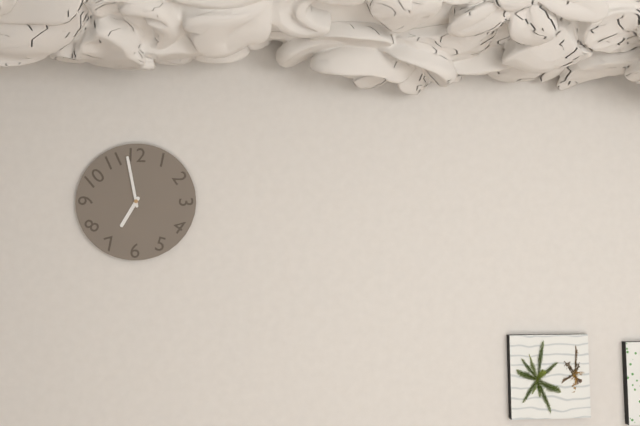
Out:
6.58
